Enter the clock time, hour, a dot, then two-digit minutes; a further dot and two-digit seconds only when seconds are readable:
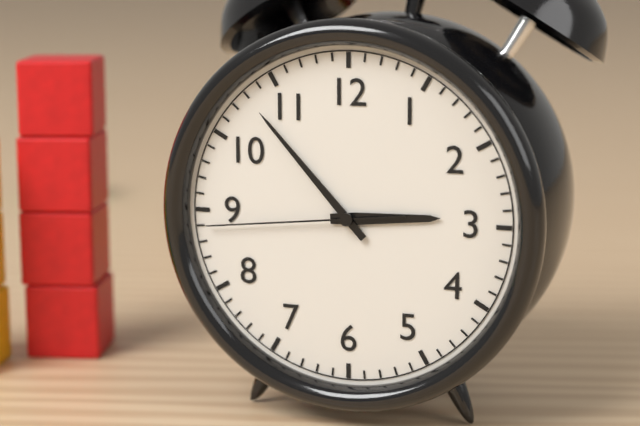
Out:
2.53.44
